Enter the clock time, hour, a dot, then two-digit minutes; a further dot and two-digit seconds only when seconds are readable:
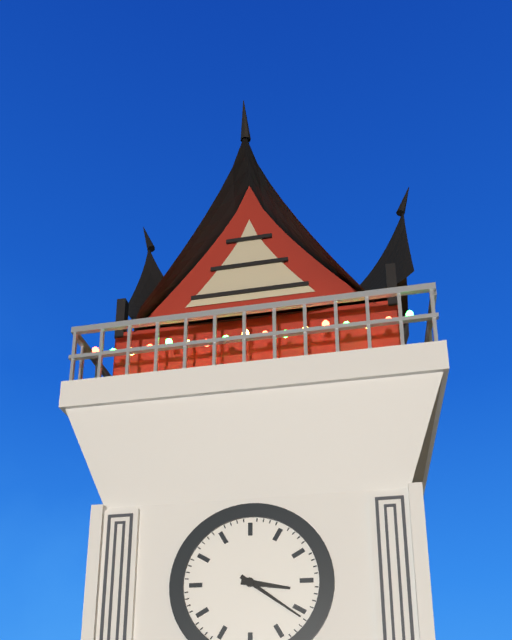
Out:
3.21
